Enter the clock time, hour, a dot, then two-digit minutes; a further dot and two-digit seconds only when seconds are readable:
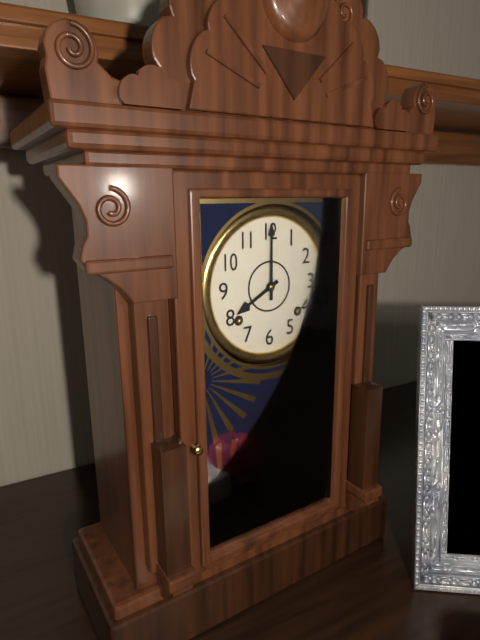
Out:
8.00
